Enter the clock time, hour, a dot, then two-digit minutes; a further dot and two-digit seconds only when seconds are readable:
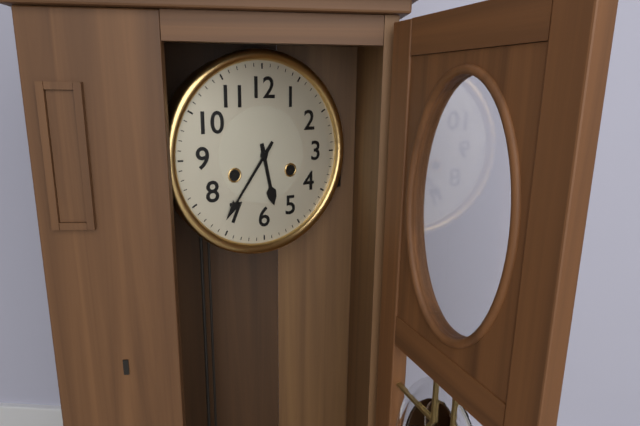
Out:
5.36
